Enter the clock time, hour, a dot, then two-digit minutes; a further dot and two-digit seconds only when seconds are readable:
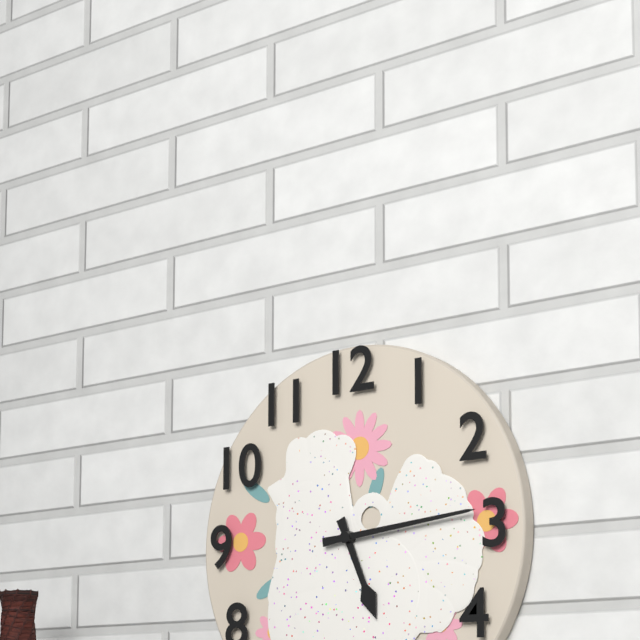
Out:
5.14
